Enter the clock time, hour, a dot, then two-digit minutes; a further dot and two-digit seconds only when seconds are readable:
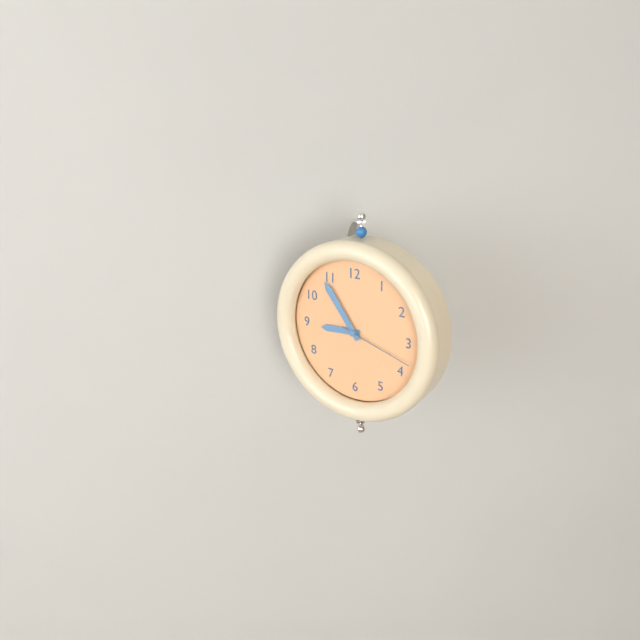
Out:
8.54.18
